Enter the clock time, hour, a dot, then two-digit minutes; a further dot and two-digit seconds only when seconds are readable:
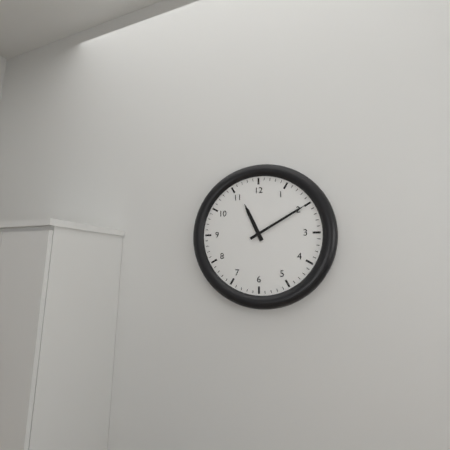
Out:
11.10
